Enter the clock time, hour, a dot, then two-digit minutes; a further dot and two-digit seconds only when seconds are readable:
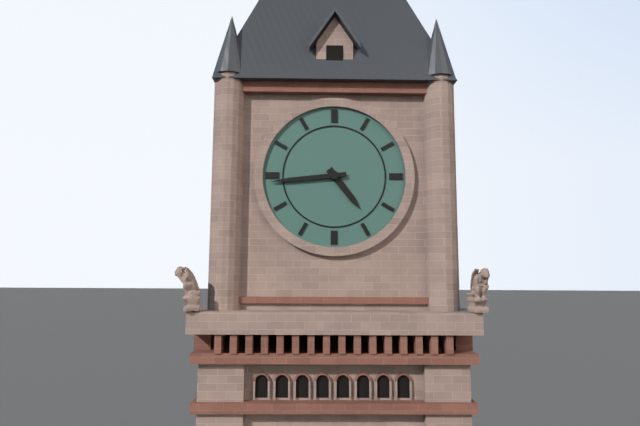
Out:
4.44
